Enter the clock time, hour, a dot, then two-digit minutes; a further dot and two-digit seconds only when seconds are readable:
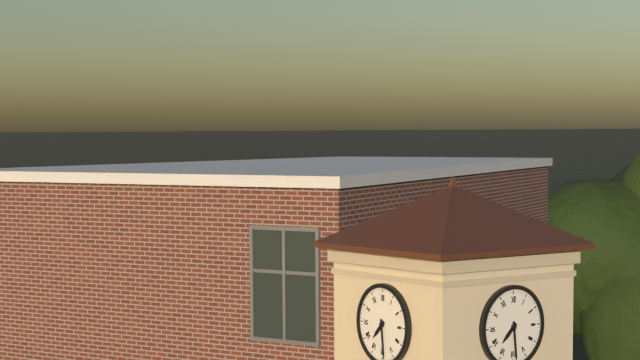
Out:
7.29
